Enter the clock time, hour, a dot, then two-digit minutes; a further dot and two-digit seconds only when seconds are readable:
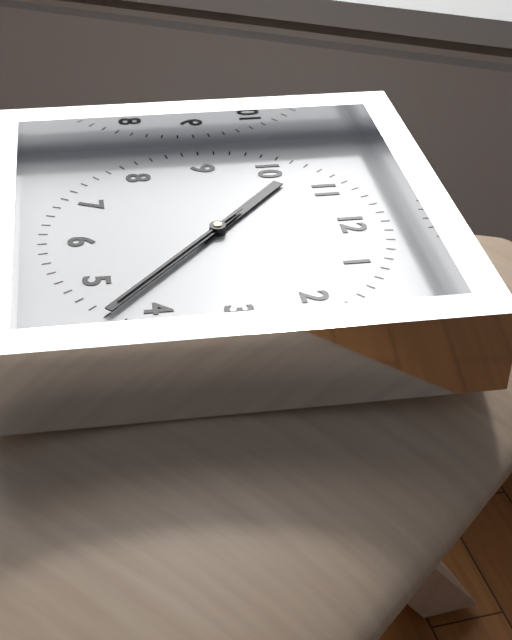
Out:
10.22.22
